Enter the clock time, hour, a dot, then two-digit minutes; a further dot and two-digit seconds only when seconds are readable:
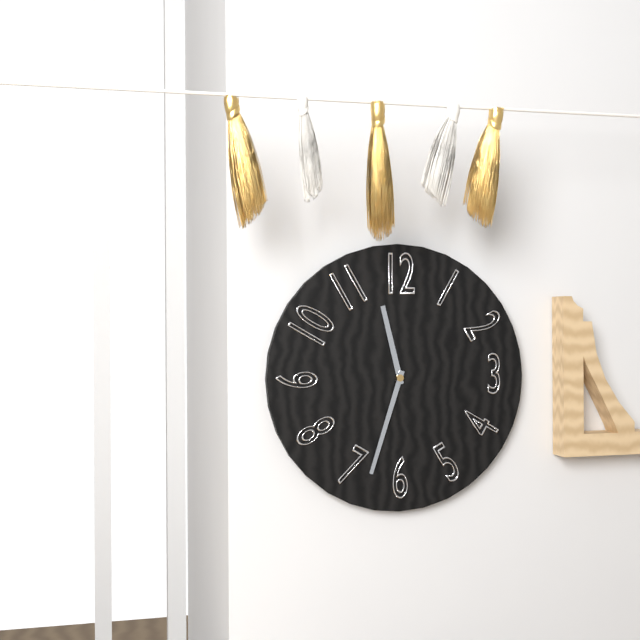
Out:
11.33
